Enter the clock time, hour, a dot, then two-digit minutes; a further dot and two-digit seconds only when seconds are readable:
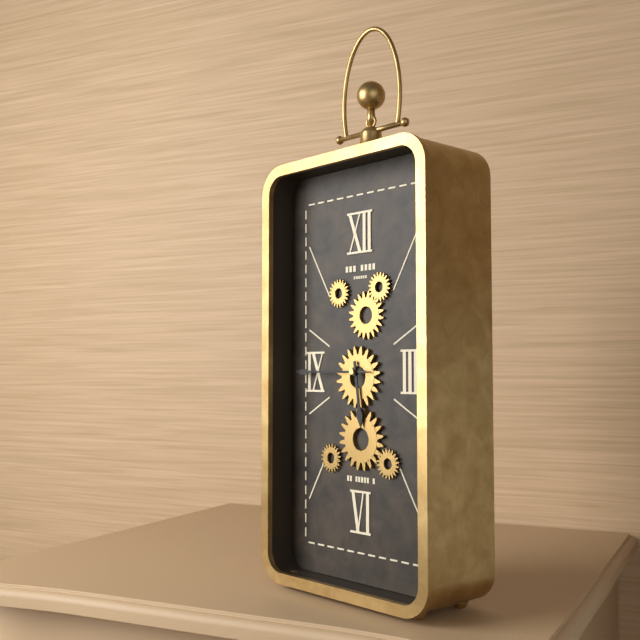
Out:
5.45
